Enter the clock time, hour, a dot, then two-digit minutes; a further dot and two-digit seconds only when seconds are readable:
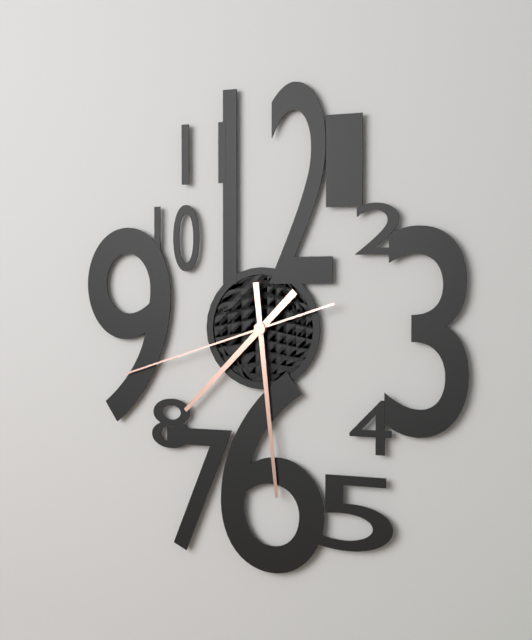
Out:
7.29.42
